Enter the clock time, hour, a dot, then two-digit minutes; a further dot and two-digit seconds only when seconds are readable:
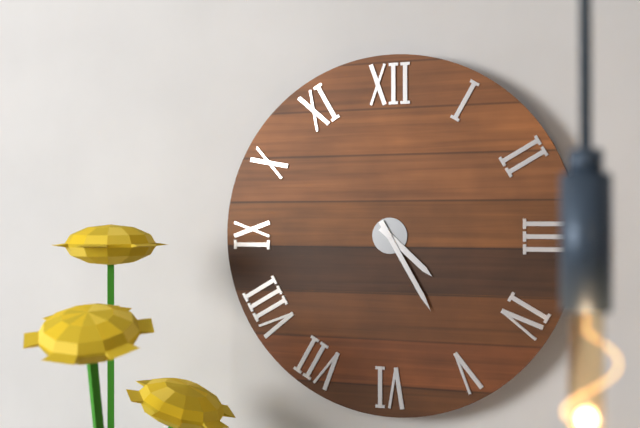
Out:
4.25
